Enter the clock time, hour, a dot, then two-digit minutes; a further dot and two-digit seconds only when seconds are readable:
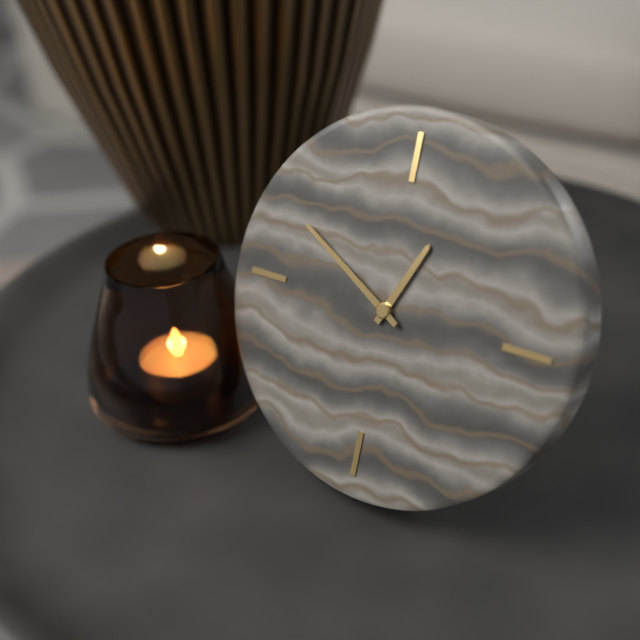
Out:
12.50
